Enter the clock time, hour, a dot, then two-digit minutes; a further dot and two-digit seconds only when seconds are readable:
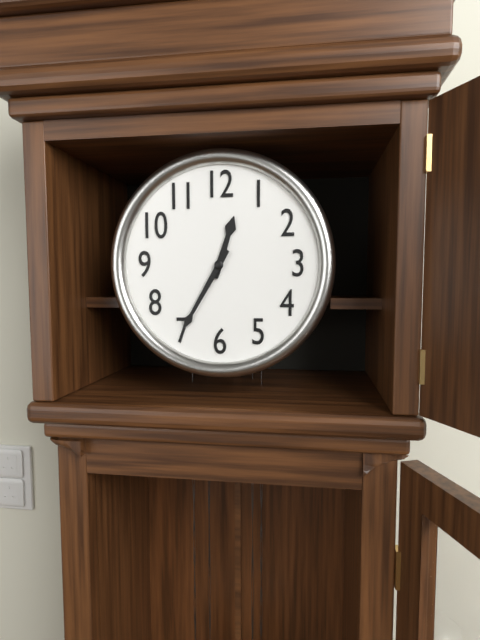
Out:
12.35
